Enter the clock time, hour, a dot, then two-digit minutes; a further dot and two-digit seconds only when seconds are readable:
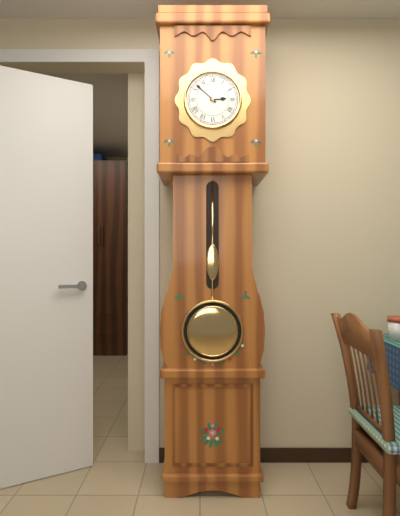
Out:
2.52
